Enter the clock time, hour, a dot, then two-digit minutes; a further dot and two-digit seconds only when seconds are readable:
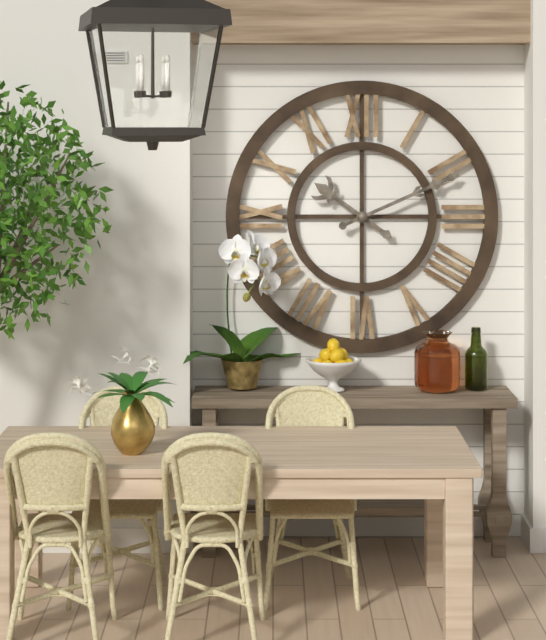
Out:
10.11
